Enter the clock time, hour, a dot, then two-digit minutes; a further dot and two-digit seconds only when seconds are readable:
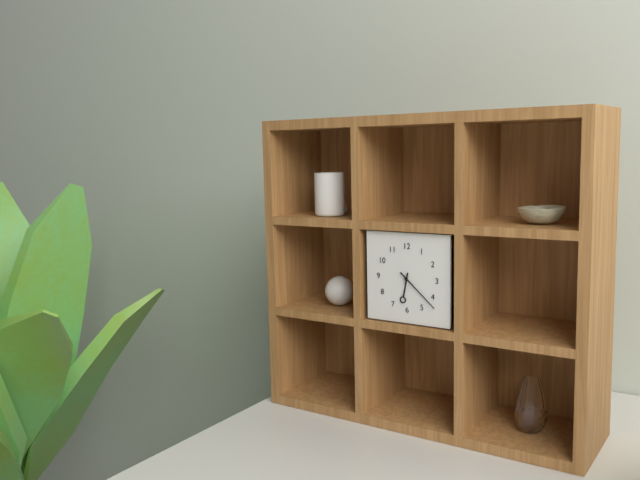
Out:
6.22
